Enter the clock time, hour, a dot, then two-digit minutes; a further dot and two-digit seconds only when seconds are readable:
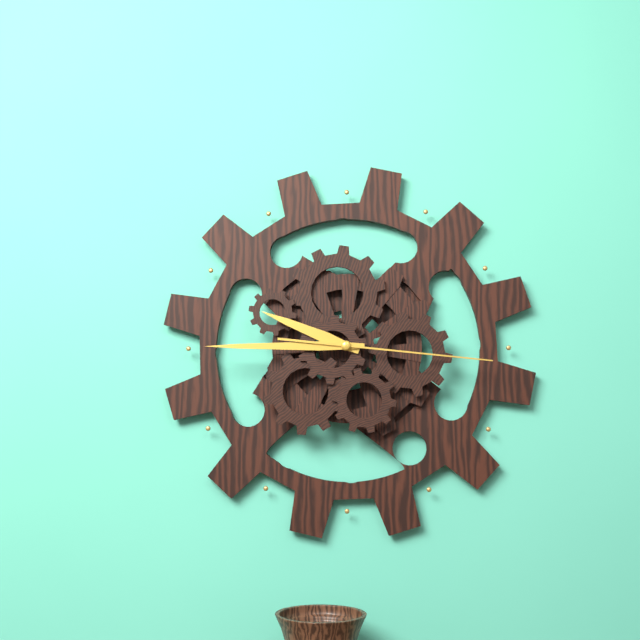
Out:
9.45.16
